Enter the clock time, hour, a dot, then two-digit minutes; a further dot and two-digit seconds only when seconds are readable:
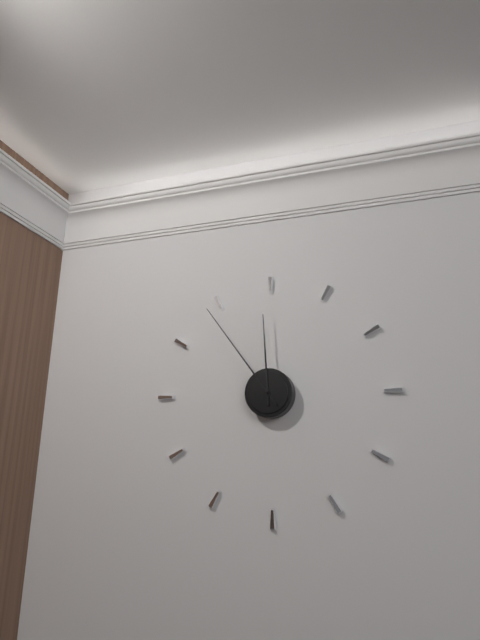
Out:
11.54
